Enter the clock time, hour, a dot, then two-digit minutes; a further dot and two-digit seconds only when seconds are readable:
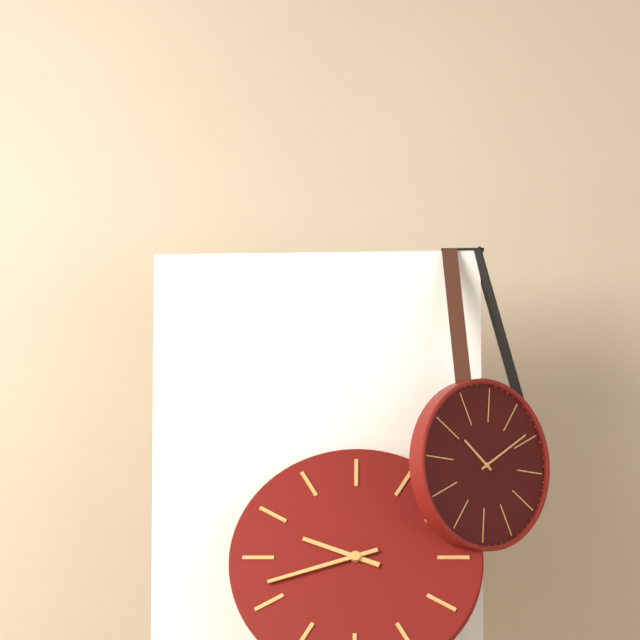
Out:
9.42
